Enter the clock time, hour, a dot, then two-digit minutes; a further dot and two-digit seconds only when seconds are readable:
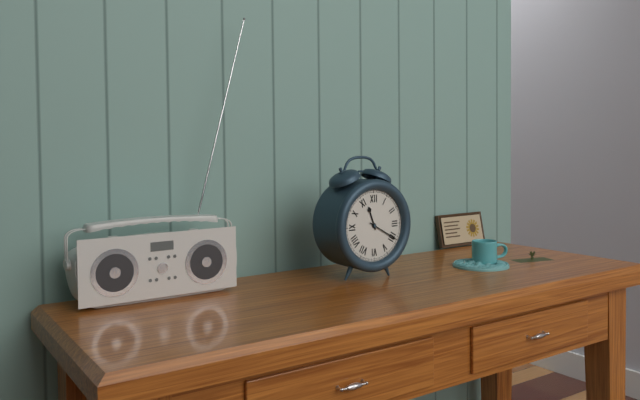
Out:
11.20
